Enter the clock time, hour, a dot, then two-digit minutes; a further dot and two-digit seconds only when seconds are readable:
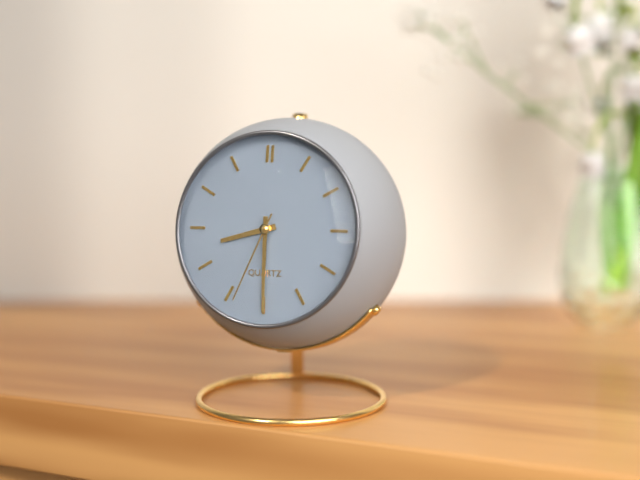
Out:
8.30.34
